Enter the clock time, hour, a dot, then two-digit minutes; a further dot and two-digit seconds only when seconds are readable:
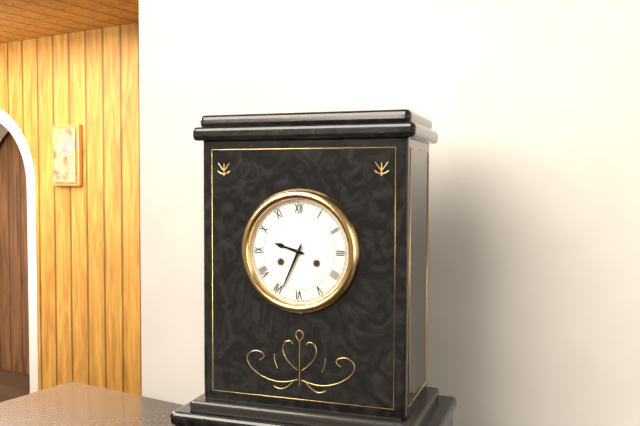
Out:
9.34
